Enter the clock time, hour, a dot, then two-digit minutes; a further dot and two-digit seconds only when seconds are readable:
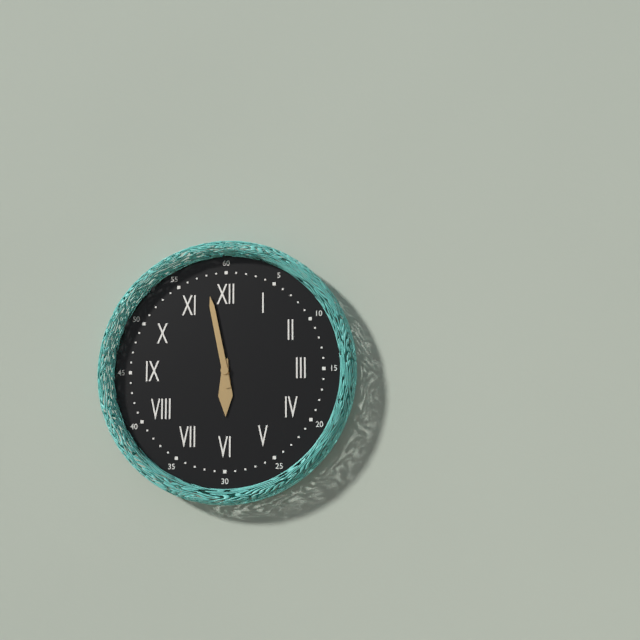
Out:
5.58
